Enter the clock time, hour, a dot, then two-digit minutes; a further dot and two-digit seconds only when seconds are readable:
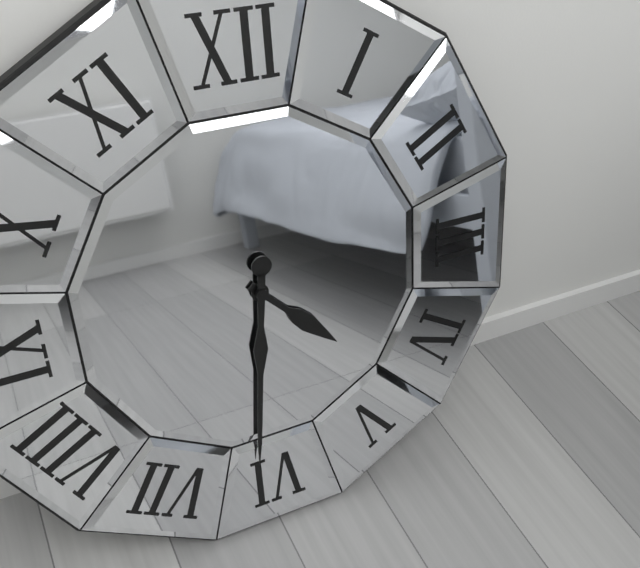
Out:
4.31
